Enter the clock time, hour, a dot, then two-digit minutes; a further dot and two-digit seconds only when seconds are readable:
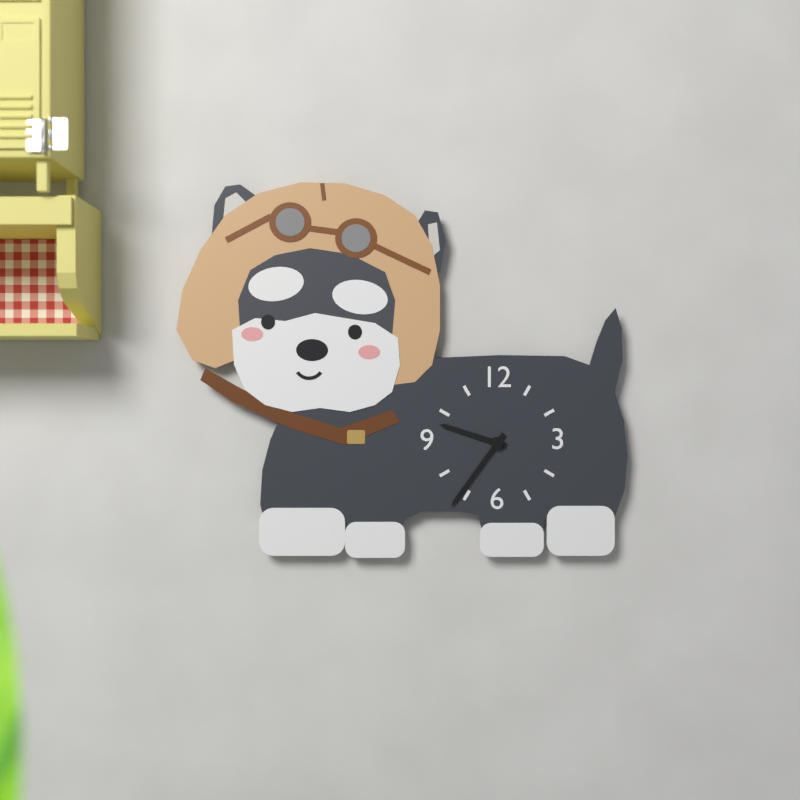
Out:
9.36
